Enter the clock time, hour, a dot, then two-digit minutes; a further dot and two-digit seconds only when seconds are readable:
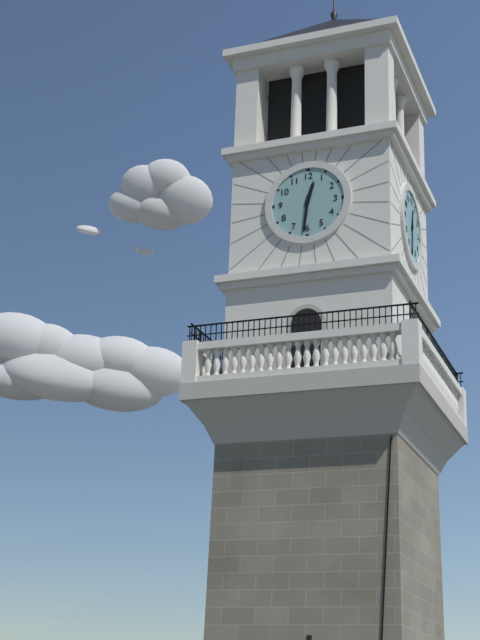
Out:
12.31
